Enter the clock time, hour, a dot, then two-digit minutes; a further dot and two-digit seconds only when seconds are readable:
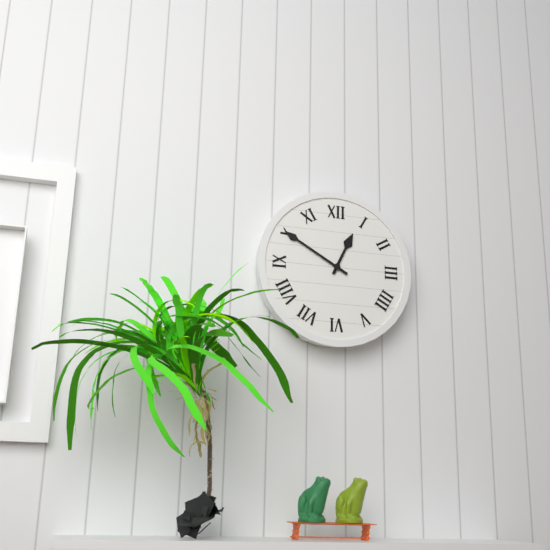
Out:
12.50
